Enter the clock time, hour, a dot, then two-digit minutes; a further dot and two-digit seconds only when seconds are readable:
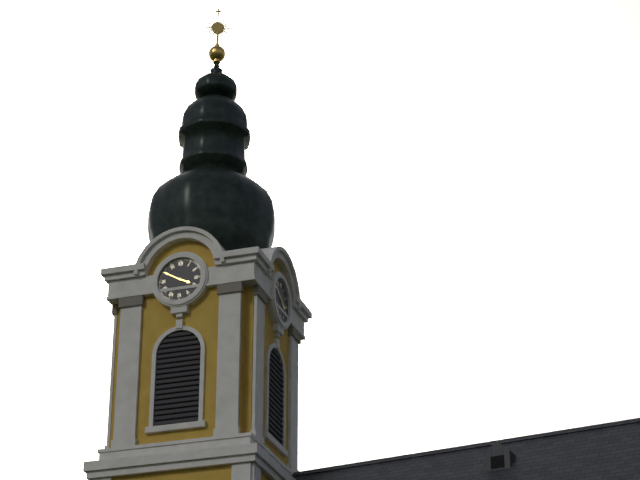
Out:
3.50
